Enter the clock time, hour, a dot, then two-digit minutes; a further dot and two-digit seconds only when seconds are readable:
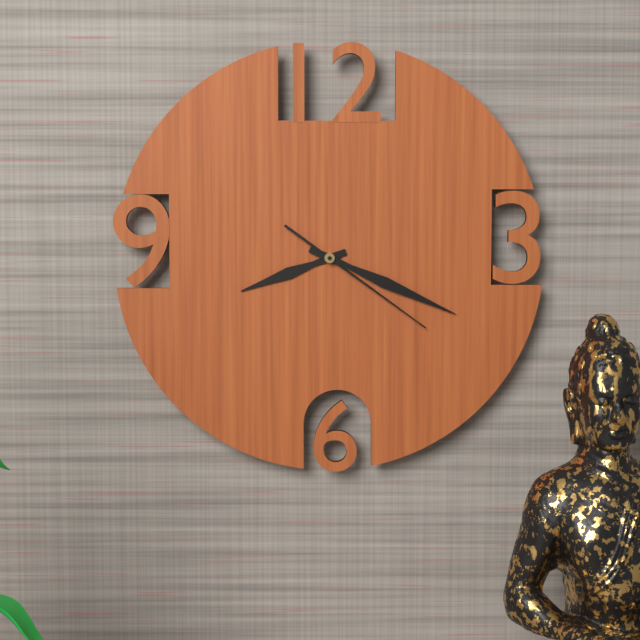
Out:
8.19.21
